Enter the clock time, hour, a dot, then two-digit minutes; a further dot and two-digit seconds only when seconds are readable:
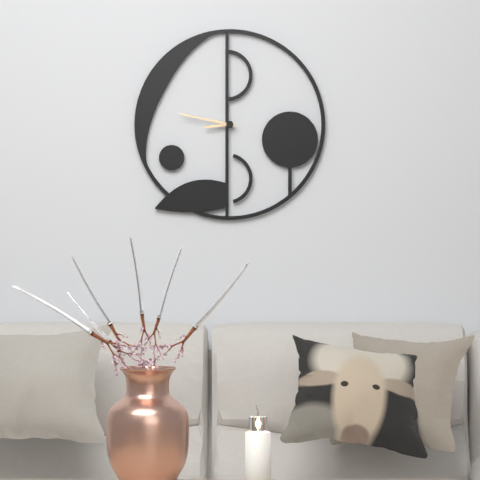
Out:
8.47
